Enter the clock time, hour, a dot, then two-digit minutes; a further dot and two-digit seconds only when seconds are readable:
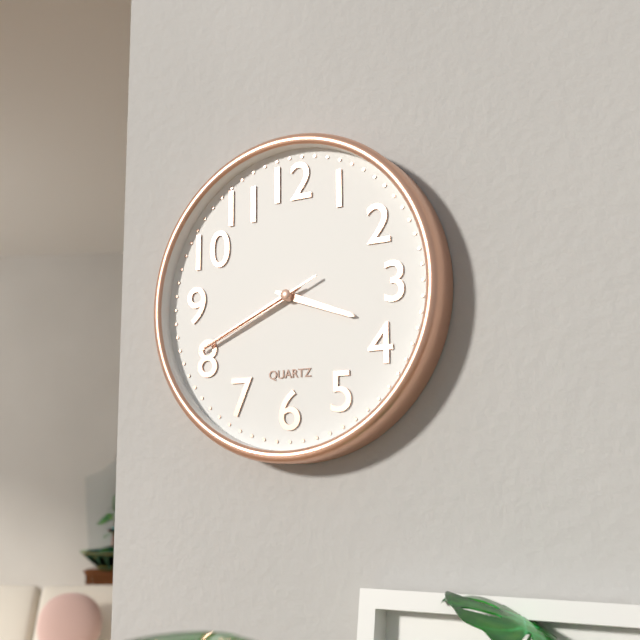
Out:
3.41.41
